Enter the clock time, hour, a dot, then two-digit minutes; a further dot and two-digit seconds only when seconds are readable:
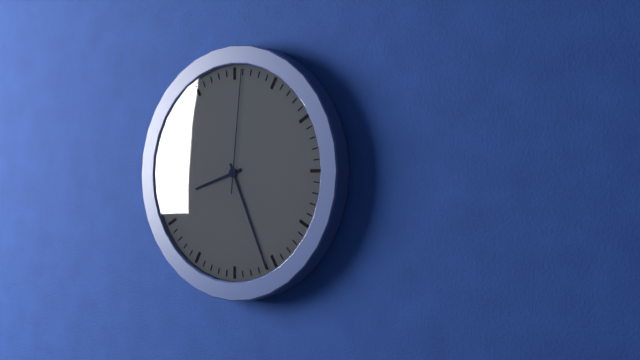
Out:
8.26.01
